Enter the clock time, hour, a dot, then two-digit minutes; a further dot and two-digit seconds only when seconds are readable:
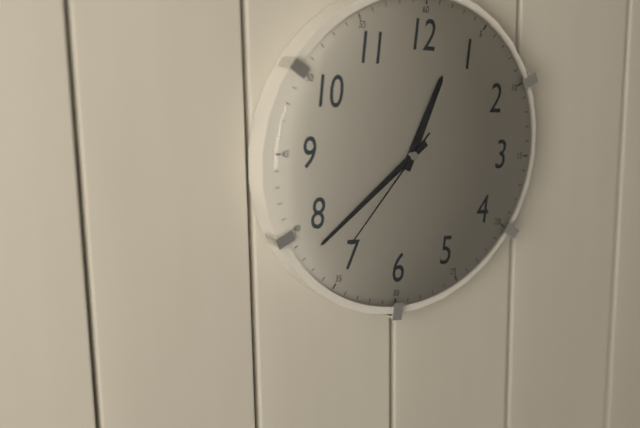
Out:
12.38.36
